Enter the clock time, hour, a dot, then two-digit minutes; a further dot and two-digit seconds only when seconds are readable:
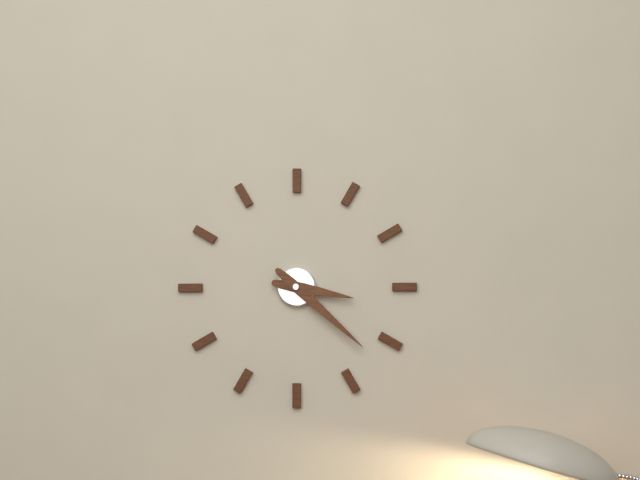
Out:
3.22
